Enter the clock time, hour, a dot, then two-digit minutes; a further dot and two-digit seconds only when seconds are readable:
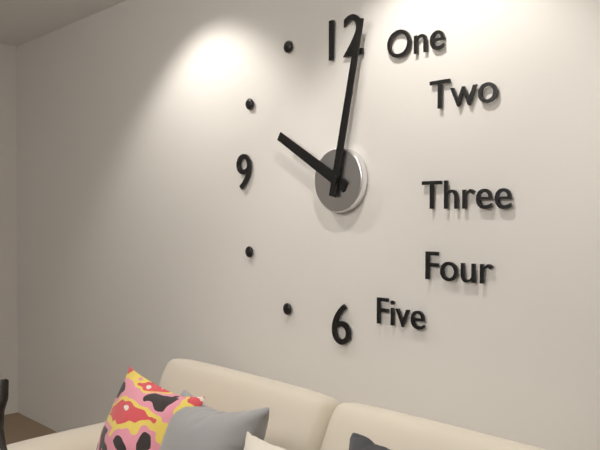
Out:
10.02
